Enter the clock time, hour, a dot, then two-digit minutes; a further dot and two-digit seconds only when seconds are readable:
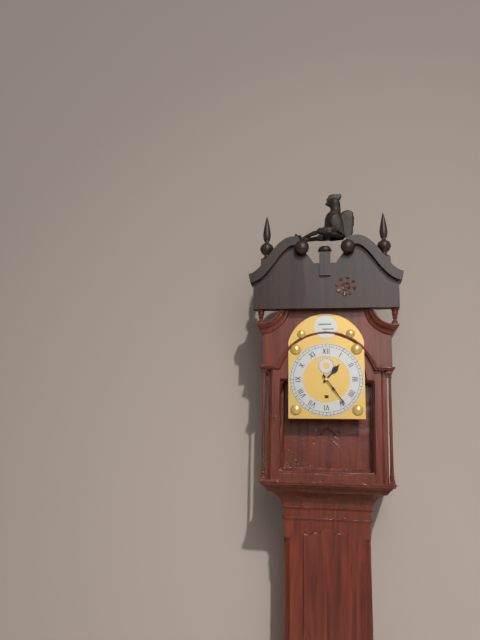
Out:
1.24
